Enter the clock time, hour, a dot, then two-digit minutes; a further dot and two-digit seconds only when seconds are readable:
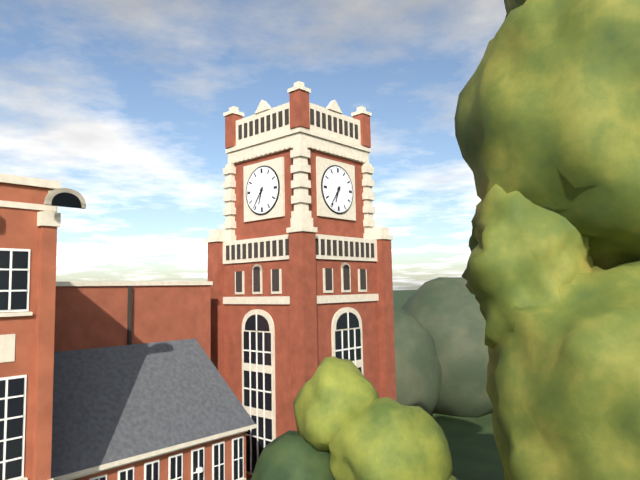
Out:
6.36
